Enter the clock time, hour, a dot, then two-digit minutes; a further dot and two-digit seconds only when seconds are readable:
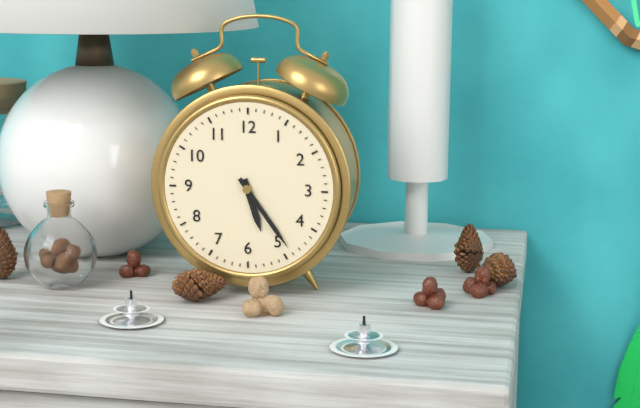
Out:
5.24
